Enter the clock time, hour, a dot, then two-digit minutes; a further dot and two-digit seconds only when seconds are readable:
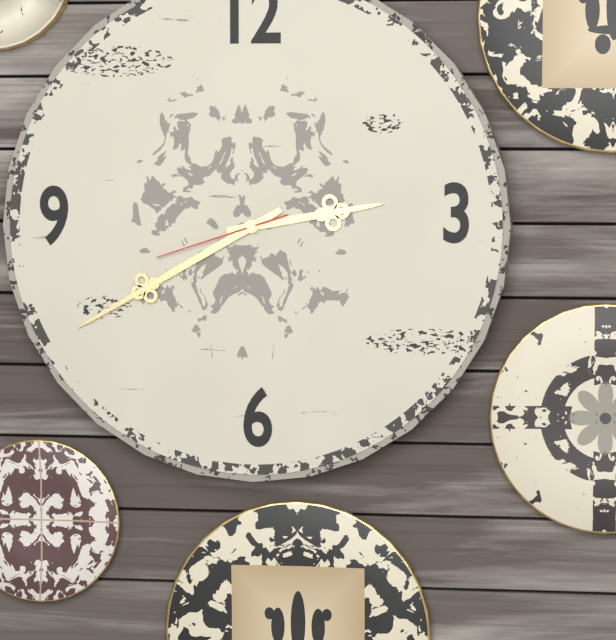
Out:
2.40.42
